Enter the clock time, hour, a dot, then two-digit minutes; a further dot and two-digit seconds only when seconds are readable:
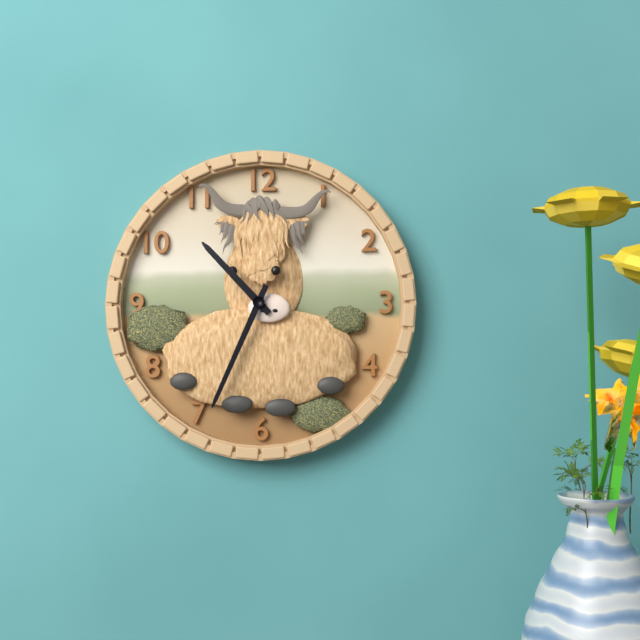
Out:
10.34
